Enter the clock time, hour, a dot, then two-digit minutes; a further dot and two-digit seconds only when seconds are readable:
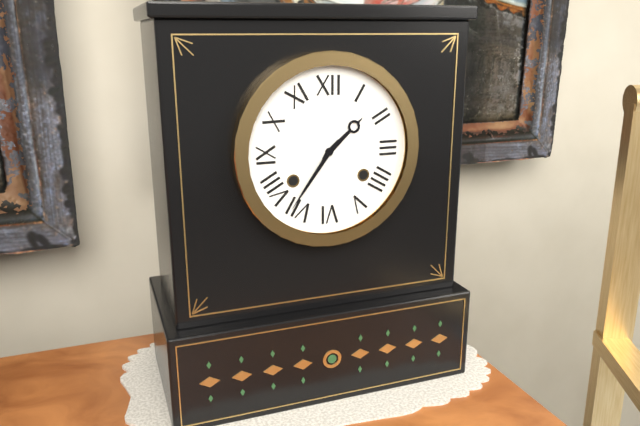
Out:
1.36
